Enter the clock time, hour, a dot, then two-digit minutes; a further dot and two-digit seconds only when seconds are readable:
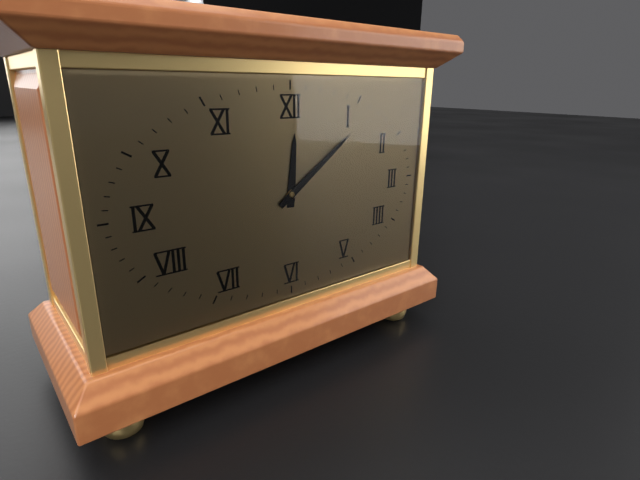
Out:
12.09
